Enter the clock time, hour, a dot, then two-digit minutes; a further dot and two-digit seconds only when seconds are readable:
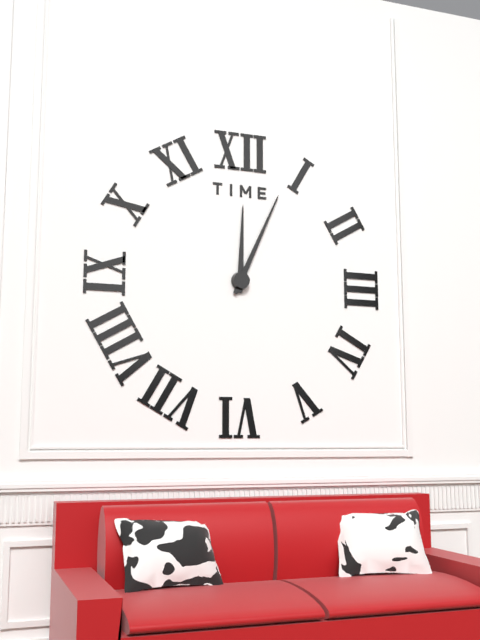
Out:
12.04
